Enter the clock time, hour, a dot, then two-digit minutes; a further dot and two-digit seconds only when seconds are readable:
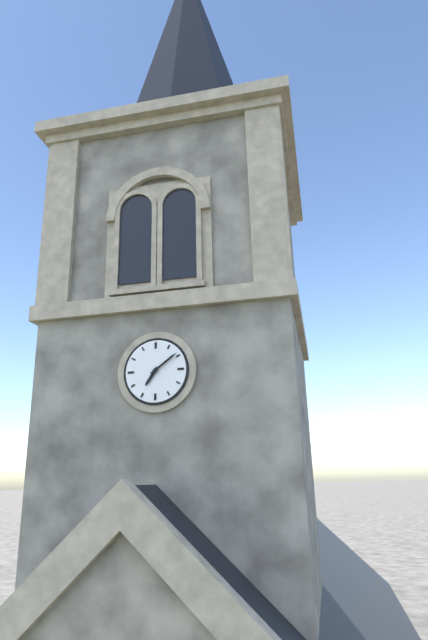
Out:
7.09
